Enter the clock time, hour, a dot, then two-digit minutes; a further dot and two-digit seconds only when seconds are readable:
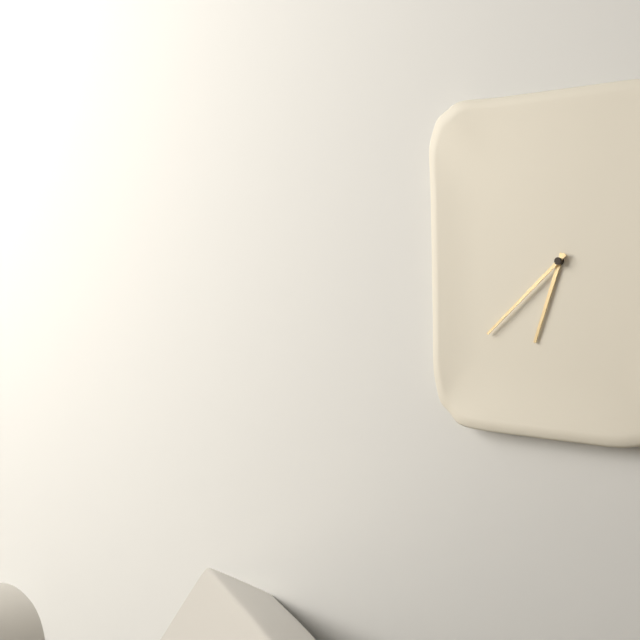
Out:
6.38
